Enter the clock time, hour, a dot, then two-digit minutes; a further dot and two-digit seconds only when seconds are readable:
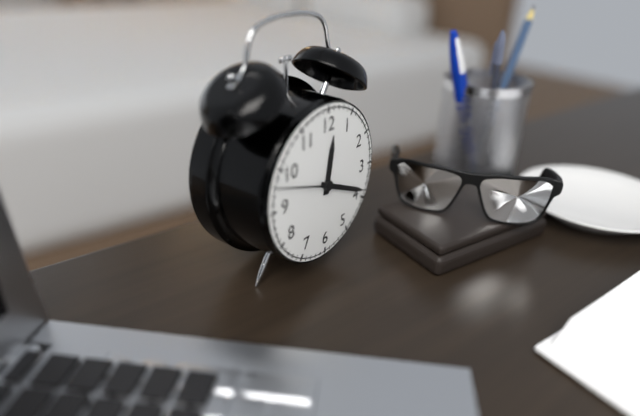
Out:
12.19
